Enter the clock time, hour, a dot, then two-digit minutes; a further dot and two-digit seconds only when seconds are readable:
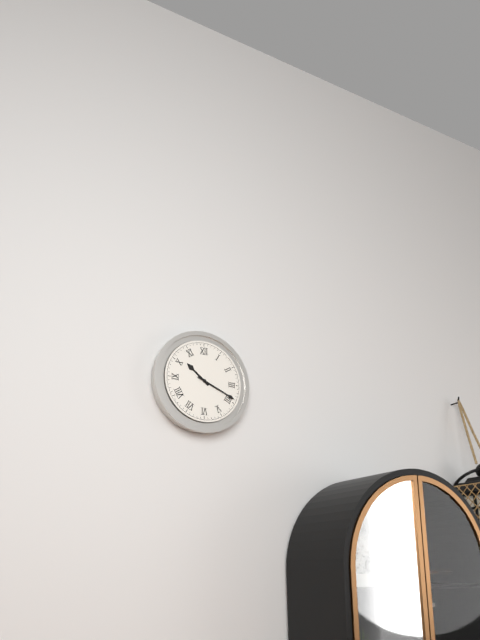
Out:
10.19
